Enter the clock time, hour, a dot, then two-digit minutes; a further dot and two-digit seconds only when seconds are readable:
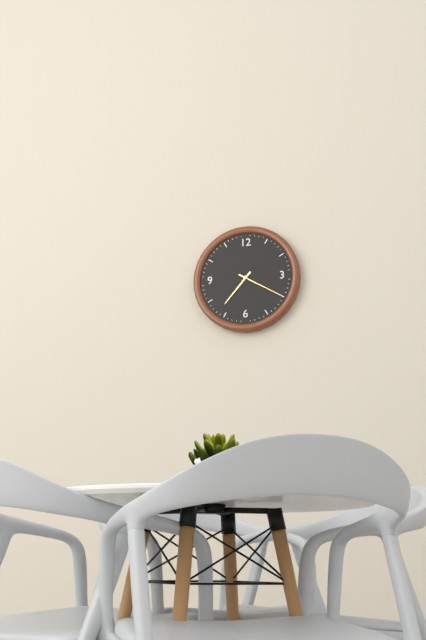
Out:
7.20
